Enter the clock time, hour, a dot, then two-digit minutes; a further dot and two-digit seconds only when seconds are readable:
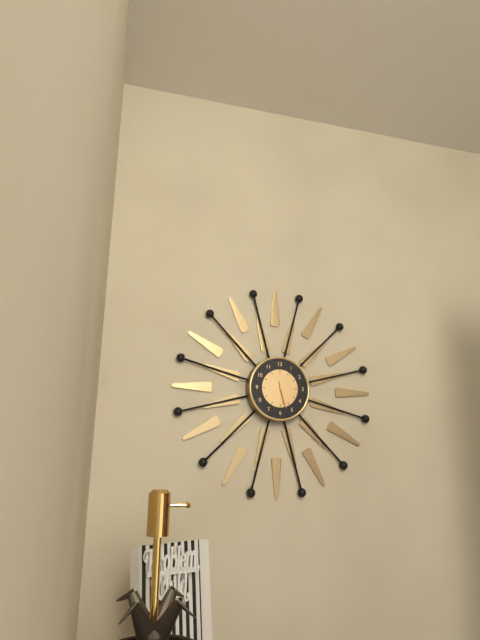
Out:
5.27
